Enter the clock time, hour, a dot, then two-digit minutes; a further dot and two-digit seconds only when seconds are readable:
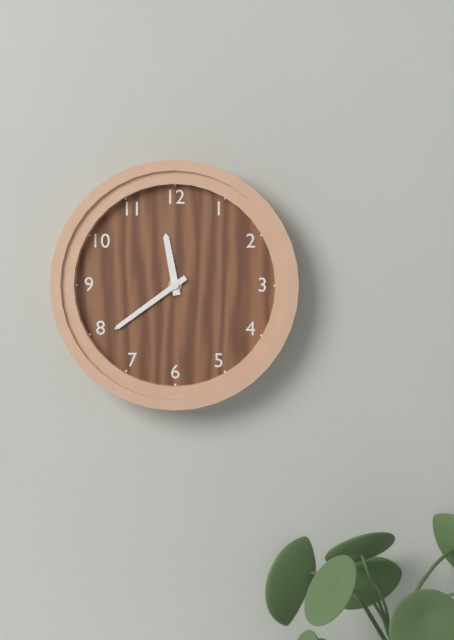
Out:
11.39
